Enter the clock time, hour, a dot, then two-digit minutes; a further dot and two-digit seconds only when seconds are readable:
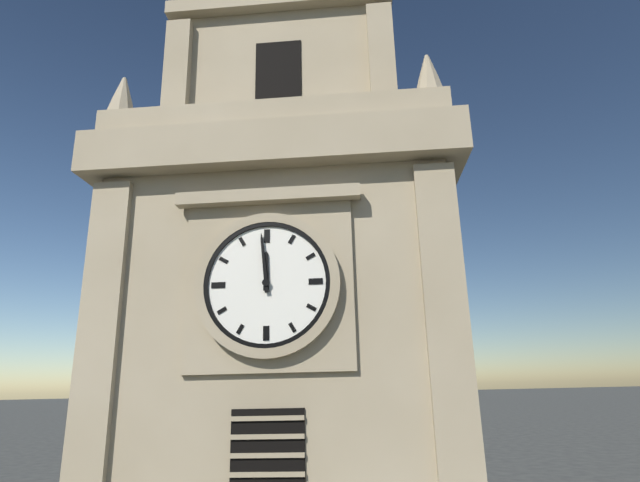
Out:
11.59
